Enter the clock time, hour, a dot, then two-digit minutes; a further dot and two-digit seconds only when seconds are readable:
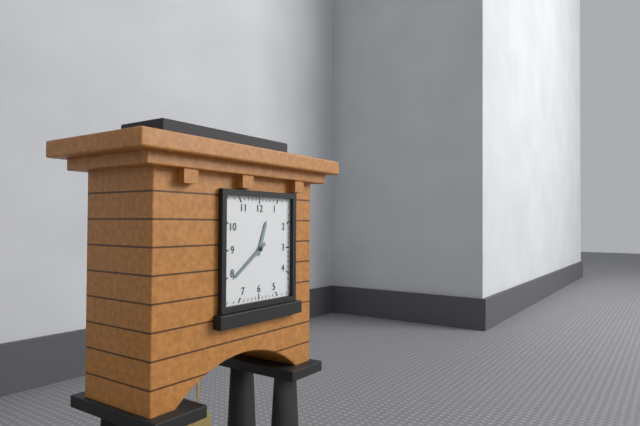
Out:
12.39
